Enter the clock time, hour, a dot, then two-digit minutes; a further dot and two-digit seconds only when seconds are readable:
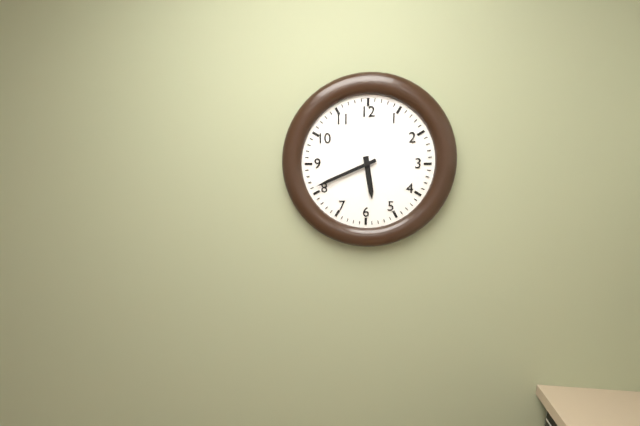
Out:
5.41
